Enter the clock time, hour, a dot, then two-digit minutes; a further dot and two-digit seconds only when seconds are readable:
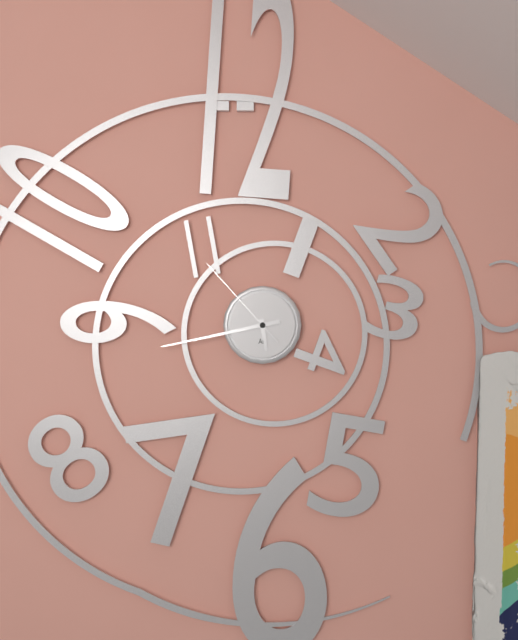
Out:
5.43.53
